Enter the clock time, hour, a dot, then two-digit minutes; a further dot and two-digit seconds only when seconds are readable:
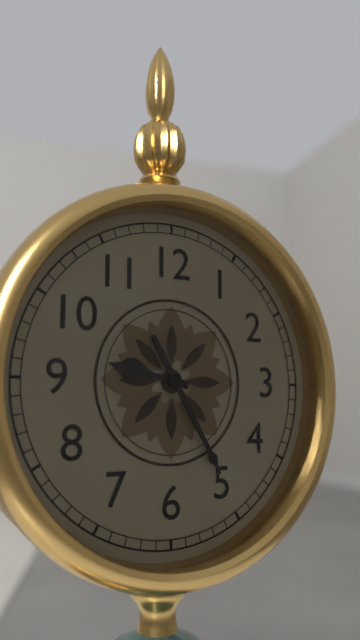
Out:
9.25
